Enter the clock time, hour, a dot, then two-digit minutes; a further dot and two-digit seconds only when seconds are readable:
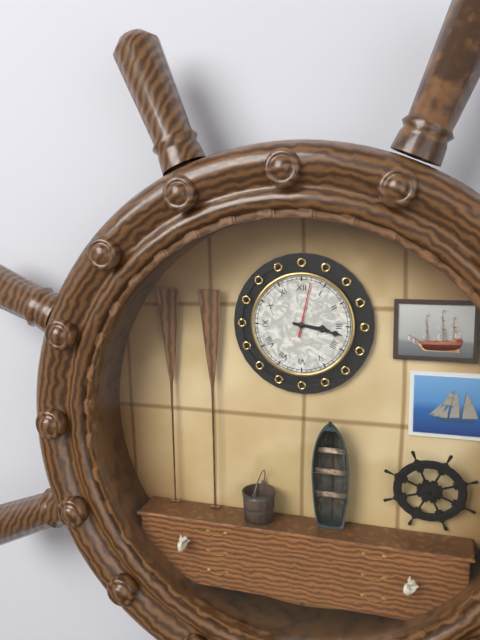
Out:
3.17.02
